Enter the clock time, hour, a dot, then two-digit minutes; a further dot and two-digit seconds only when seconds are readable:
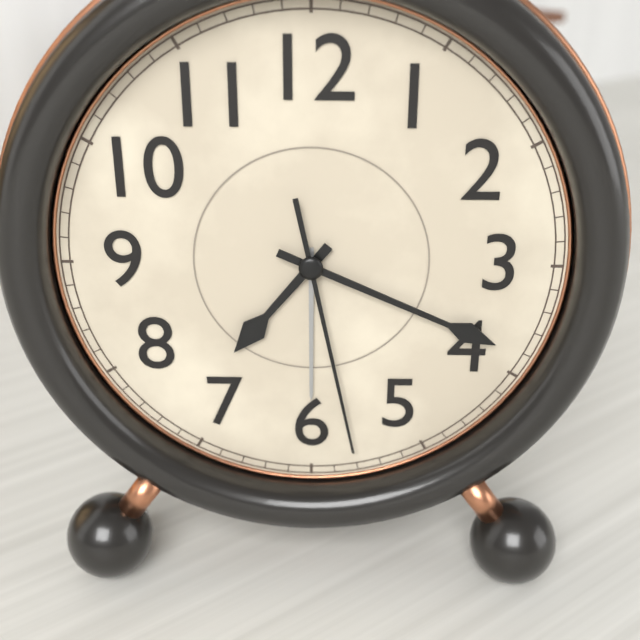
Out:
7.19.28
